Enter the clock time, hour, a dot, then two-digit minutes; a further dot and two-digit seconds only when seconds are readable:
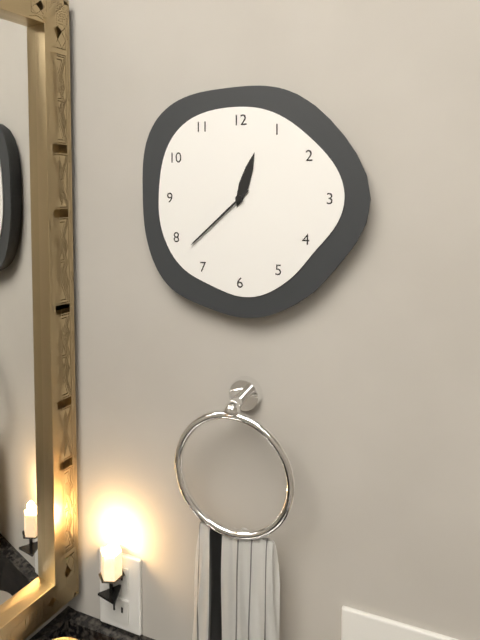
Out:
12.38
